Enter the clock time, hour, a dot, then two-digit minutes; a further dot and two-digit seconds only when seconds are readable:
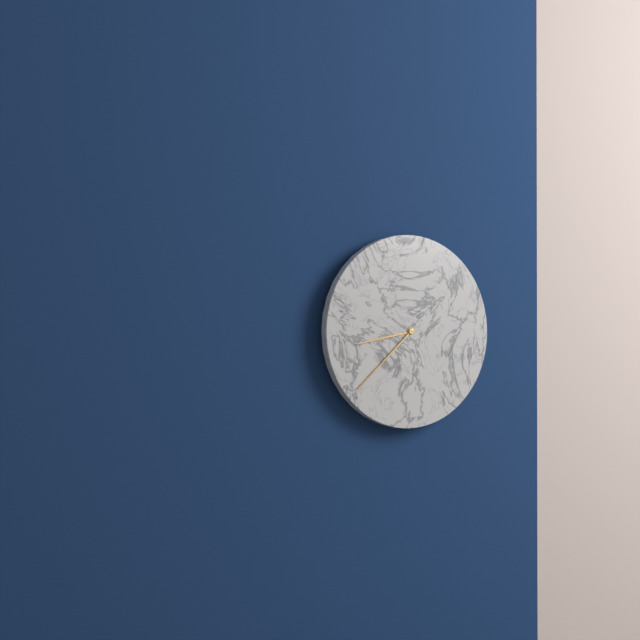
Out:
8.38
